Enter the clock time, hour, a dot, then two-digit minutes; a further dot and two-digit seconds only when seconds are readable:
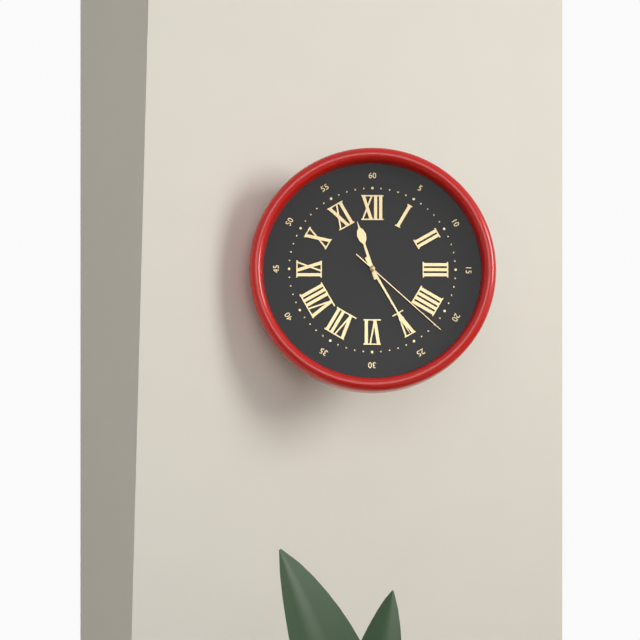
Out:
11.25.22
